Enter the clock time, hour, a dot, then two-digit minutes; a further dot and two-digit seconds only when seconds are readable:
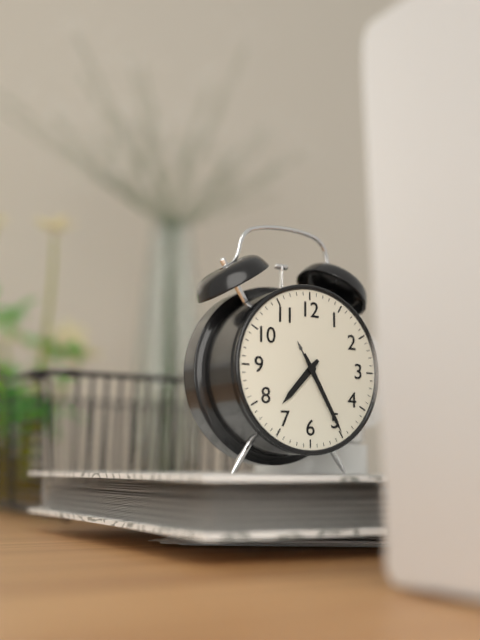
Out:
7.25
